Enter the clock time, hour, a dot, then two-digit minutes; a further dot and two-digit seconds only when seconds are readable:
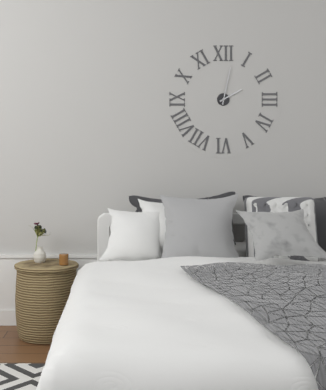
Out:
2.02
